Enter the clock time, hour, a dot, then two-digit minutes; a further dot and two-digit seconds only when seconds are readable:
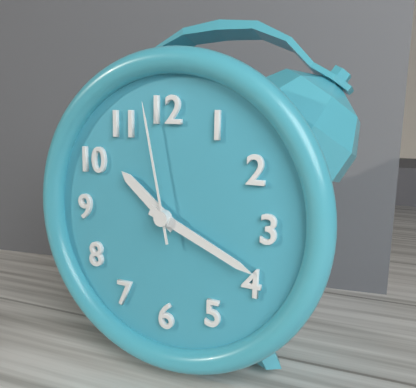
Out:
10.19.58
